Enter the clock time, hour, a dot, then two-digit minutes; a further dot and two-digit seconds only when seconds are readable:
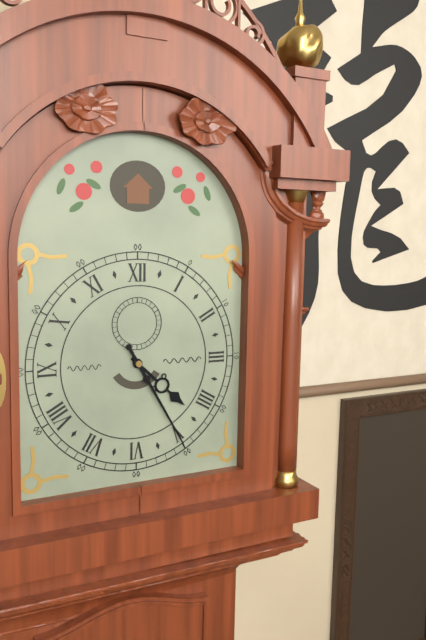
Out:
4.25
